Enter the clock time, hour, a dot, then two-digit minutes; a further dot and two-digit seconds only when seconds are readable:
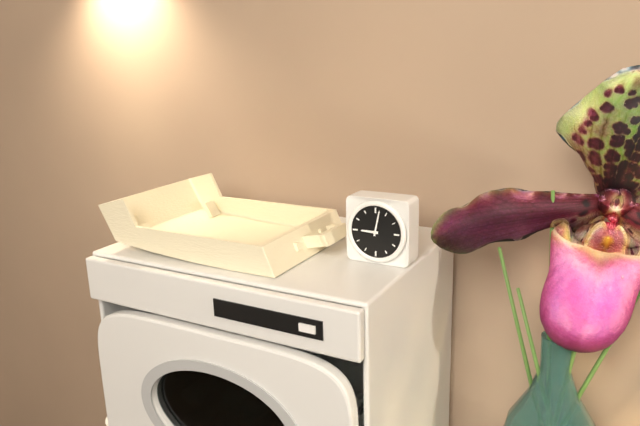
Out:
9.02
